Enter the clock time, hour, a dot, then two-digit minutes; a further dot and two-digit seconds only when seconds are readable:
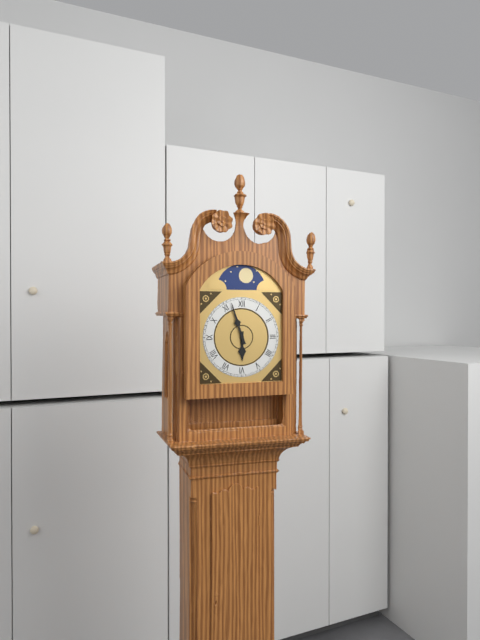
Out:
5.57
